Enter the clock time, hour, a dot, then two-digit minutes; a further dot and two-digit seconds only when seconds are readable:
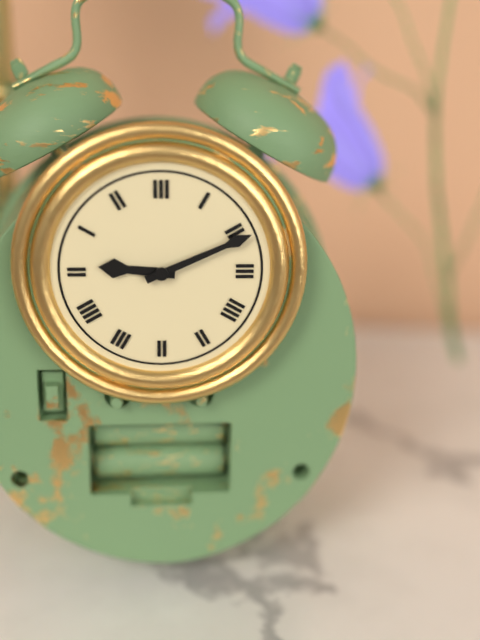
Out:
9.11
